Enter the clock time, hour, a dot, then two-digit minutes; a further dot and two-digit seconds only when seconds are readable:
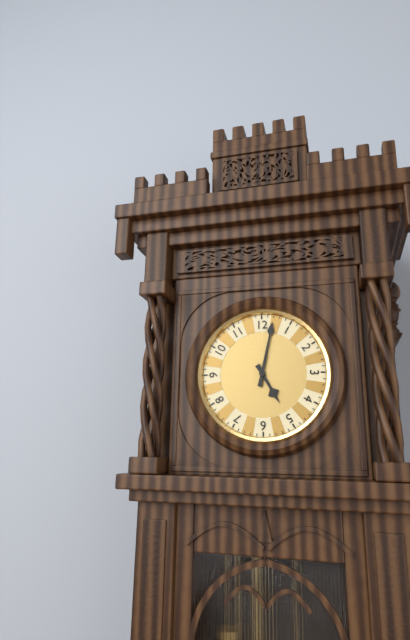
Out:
5.02
